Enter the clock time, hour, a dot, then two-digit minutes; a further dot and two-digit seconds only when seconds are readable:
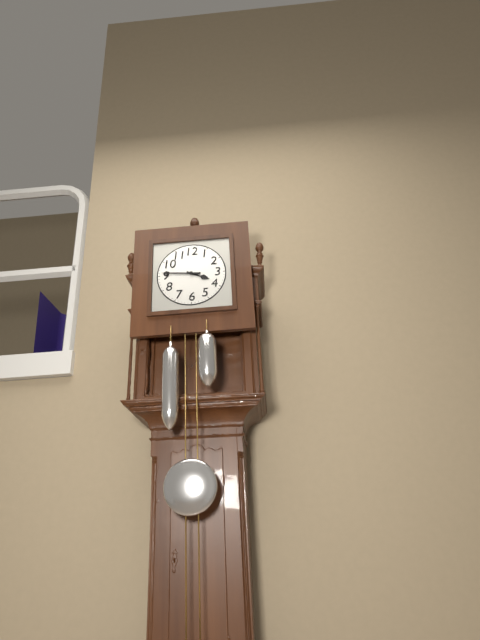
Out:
3.46
